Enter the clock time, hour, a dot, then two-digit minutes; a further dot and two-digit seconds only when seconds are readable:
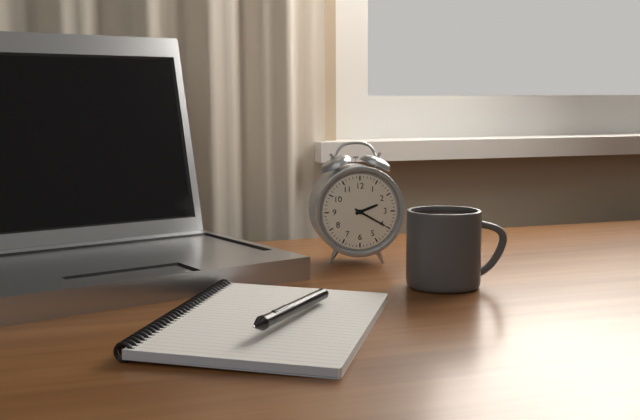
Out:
2.20
